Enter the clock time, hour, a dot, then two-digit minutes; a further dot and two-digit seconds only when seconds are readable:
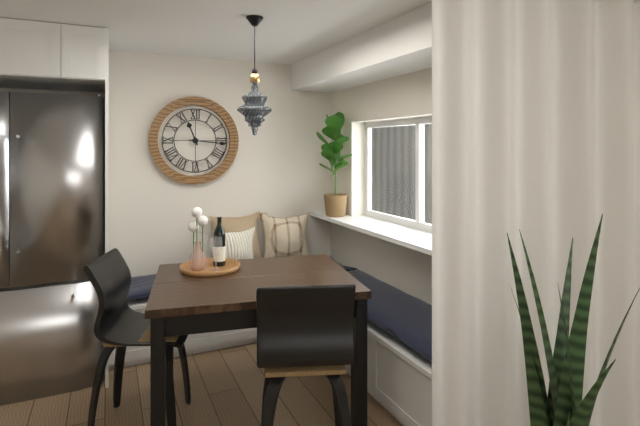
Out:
11.16
